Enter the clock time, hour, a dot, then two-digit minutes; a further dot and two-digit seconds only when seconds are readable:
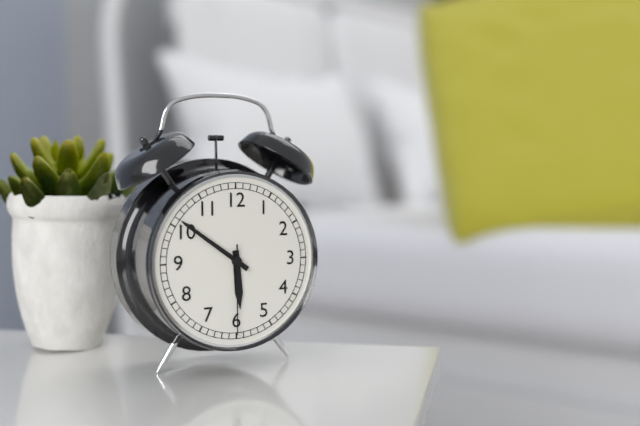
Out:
5.51.30
